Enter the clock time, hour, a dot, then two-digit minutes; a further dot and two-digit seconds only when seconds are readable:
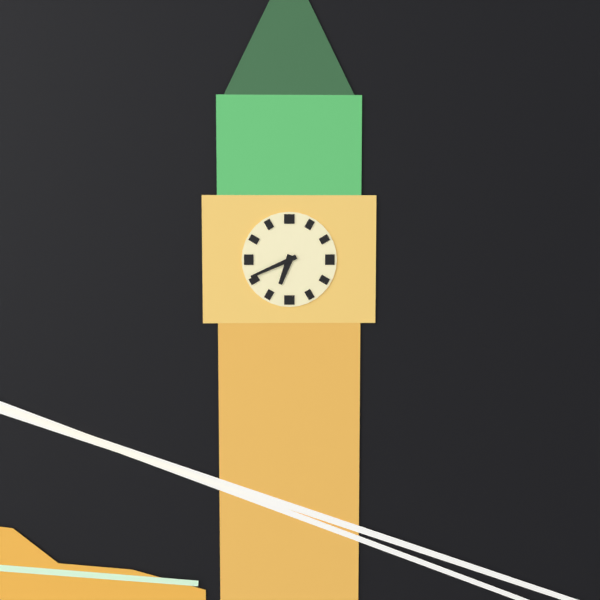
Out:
6.41
